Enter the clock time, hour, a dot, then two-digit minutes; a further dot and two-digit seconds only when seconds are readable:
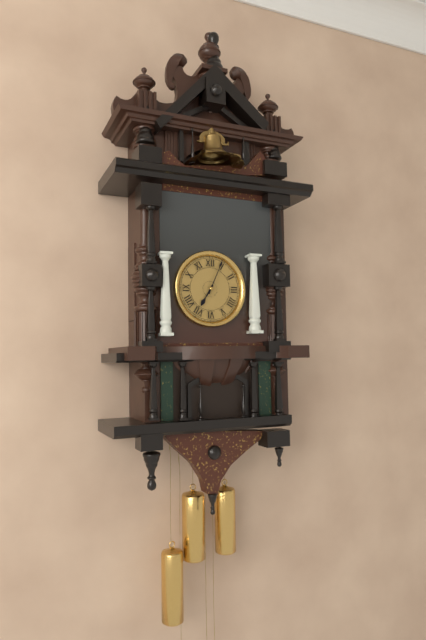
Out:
7.04
